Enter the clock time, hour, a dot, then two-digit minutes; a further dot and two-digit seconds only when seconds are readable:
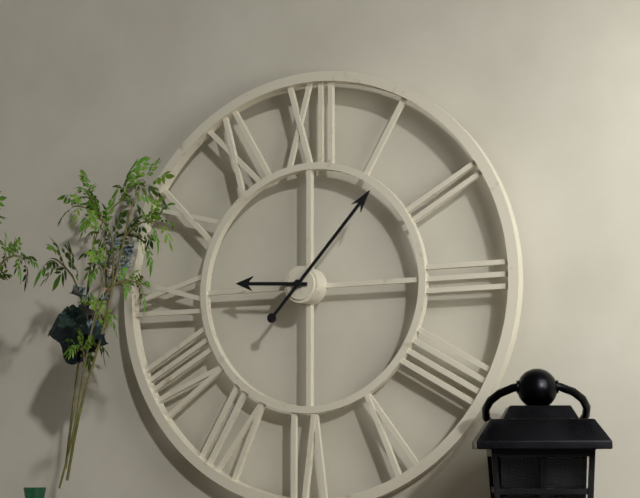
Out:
9.07
